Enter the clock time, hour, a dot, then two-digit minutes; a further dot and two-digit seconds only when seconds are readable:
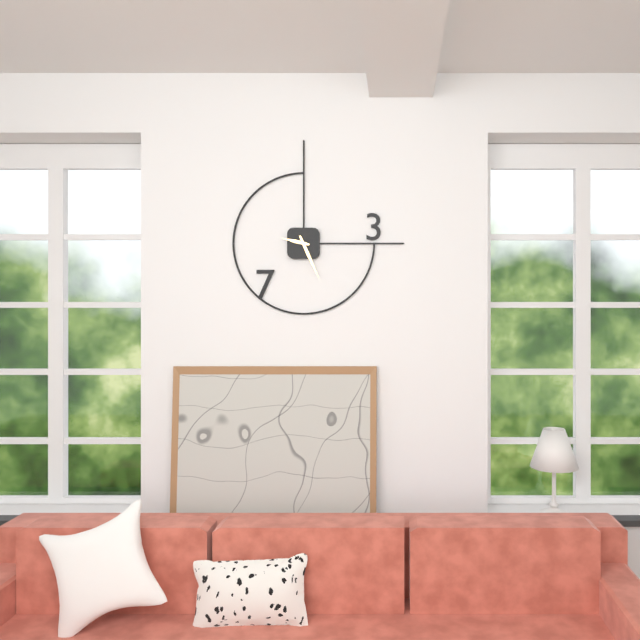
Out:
9.26
